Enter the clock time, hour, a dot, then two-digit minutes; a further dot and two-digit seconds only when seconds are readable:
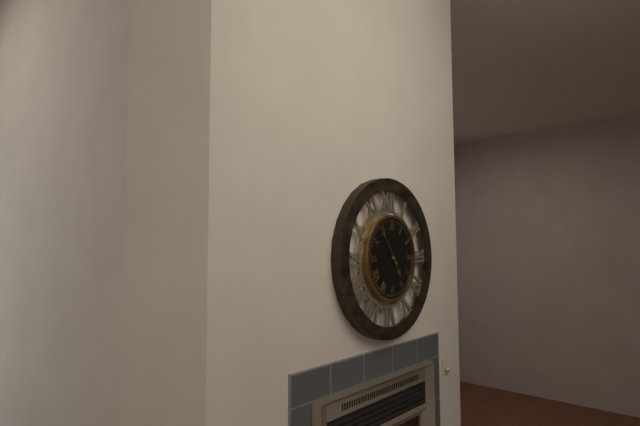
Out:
4.54
